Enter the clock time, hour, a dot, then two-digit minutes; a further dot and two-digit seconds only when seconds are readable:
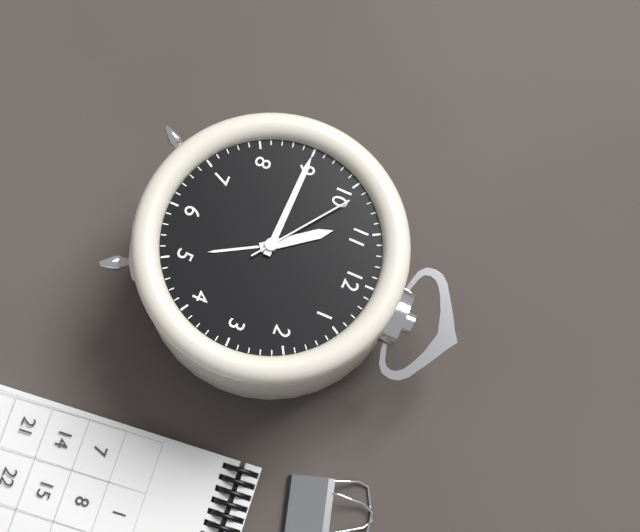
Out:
10.45.51
